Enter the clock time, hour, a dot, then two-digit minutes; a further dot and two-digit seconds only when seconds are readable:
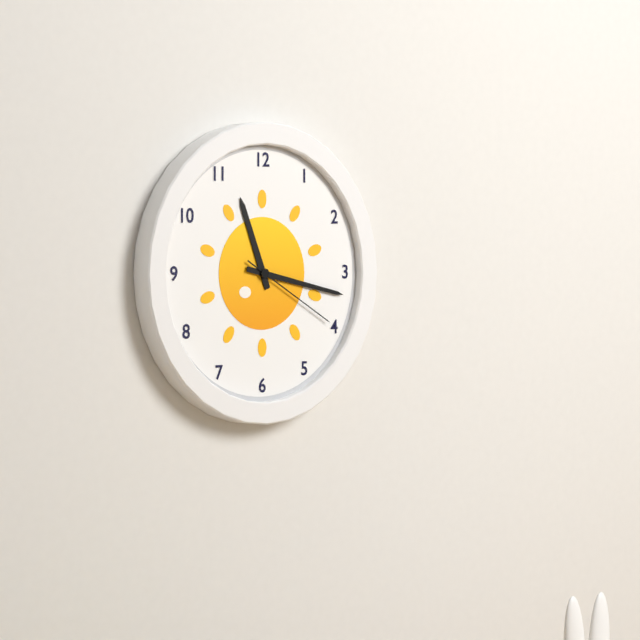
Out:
11.17.20
